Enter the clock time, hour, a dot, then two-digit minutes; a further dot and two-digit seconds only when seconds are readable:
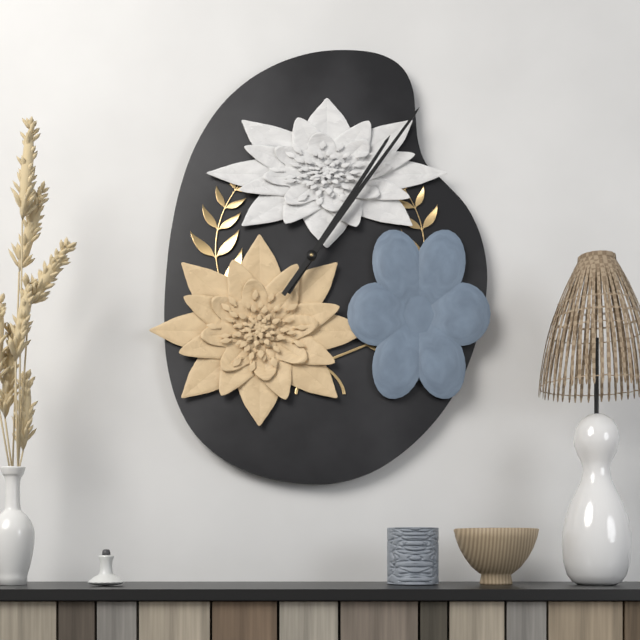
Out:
1.06
